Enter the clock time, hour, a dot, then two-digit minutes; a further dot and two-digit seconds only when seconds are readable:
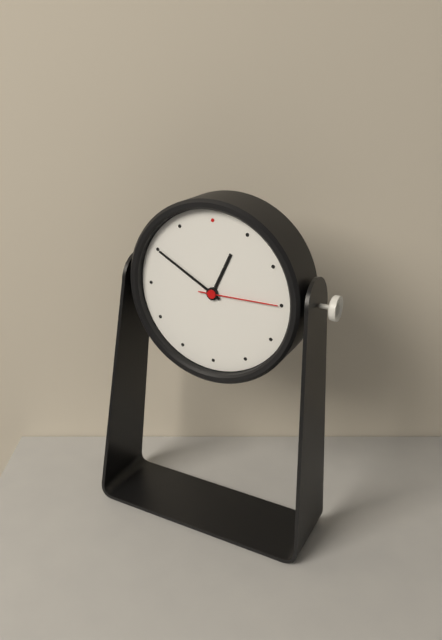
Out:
12.50.15
